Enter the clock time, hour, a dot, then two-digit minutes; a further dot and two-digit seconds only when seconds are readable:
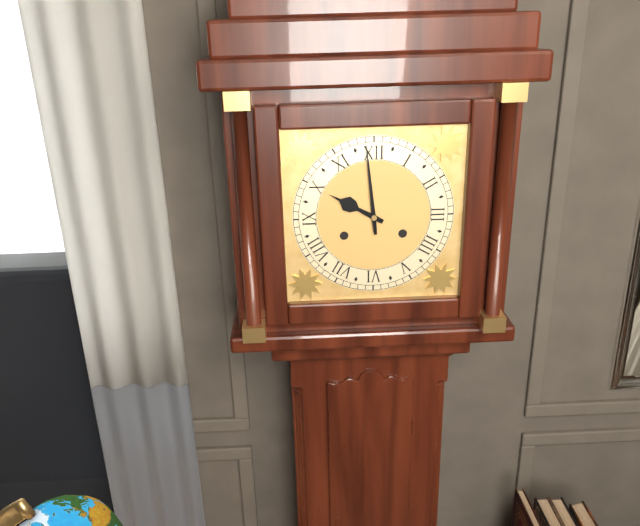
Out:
9.59
